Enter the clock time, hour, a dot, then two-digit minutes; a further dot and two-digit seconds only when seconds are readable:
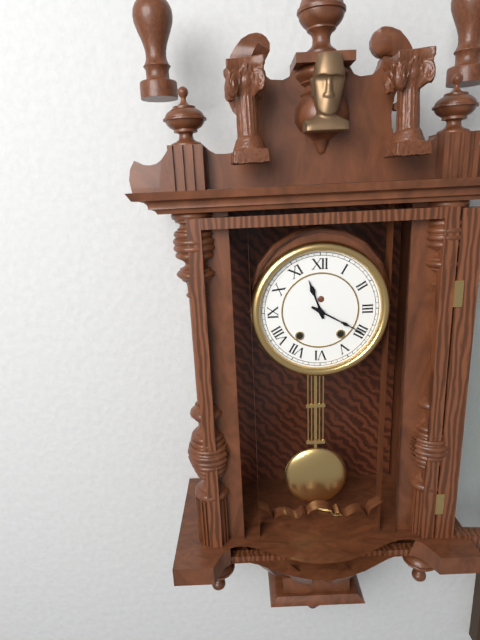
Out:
11.20
